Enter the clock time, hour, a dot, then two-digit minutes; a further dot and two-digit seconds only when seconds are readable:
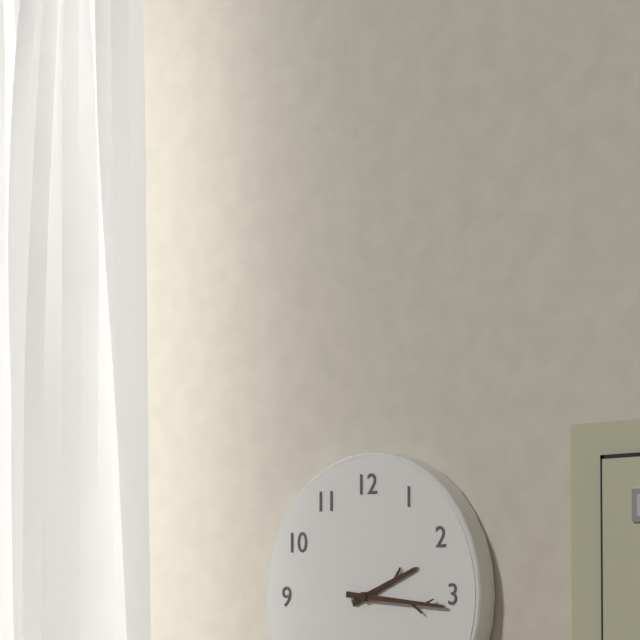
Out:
2.16
